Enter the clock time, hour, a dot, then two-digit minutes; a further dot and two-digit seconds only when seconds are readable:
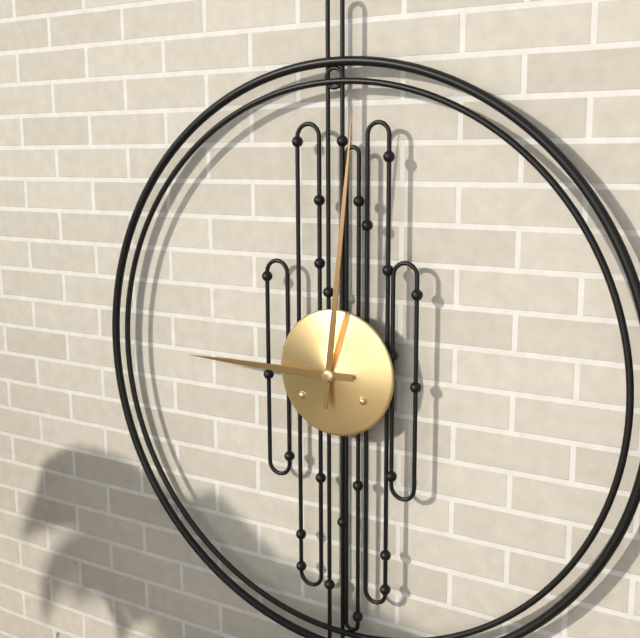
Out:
9.01
